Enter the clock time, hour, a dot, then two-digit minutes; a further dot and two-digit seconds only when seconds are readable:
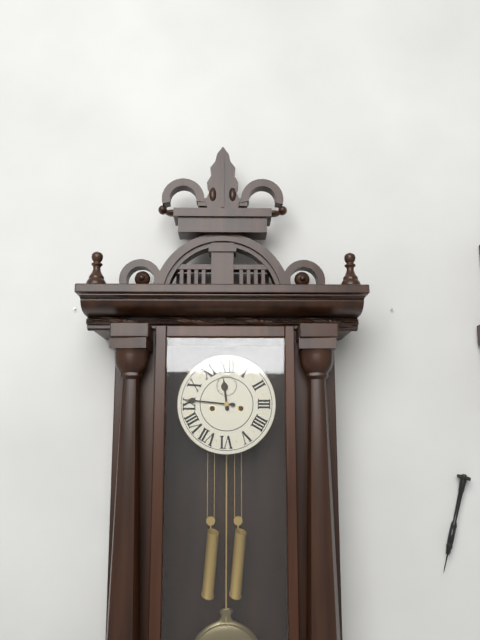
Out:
11.46
